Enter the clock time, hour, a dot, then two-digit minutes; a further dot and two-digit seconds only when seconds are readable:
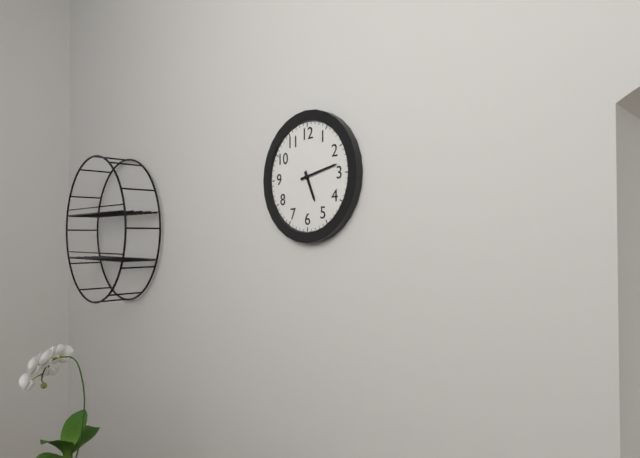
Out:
5.13
